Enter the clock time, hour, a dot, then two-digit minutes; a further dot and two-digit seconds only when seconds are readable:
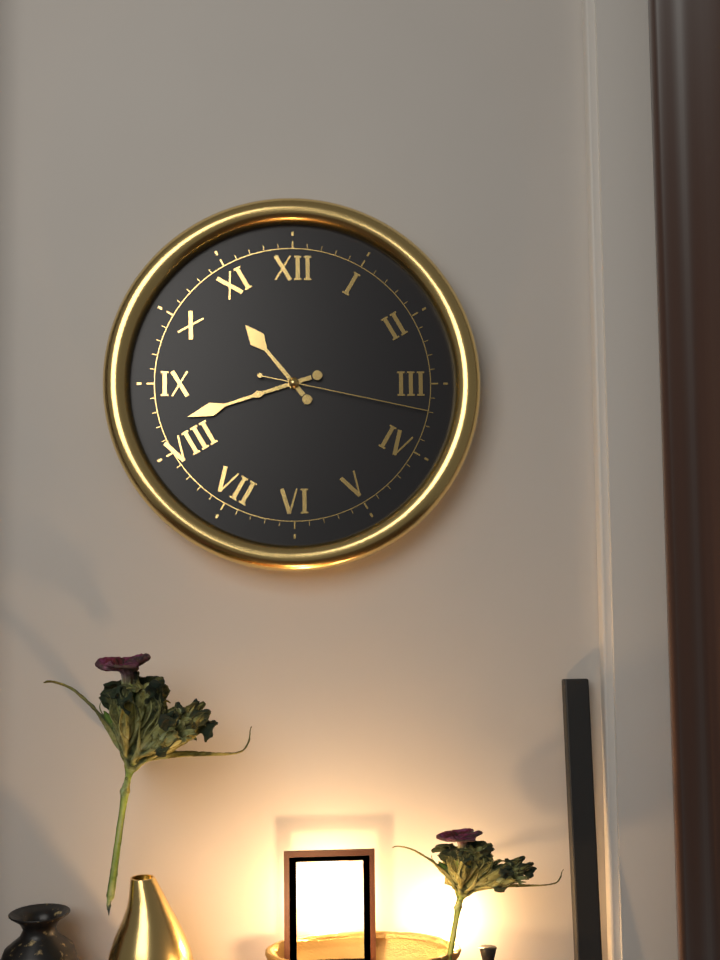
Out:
10.42.17
